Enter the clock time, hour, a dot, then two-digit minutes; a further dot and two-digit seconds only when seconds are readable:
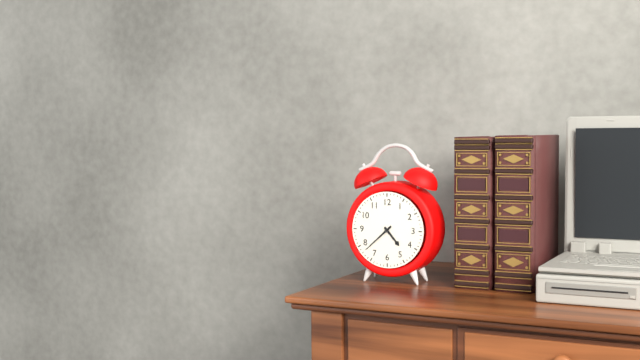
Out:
4.38
